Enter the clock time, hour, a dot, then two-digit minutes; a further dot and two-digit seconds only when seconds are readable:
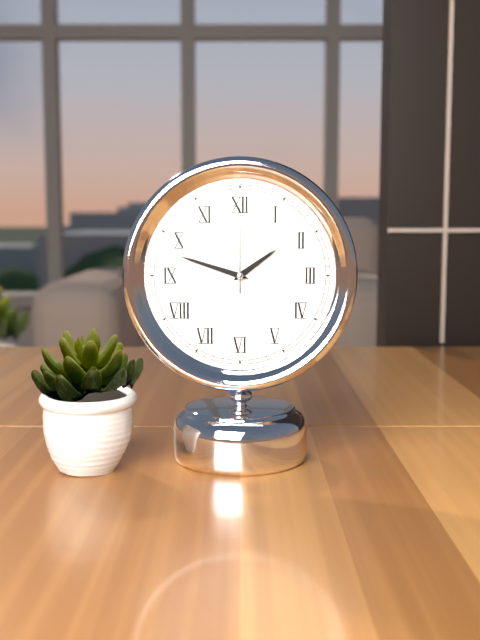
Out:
1.48.00
